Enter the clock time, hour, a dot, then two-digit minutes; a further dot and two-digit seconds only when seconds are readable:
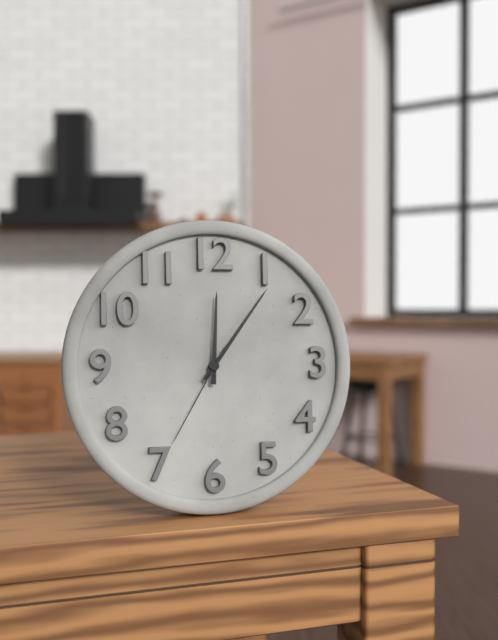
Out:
12.06.35
